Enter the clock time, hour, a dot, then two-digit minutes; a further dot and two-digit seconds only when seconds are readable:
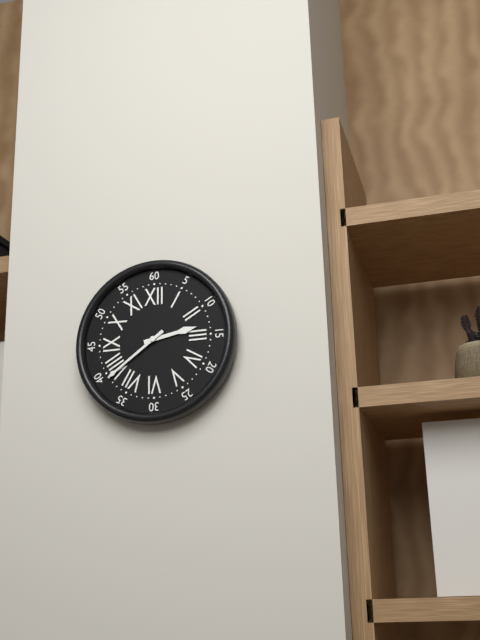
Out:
2.39
